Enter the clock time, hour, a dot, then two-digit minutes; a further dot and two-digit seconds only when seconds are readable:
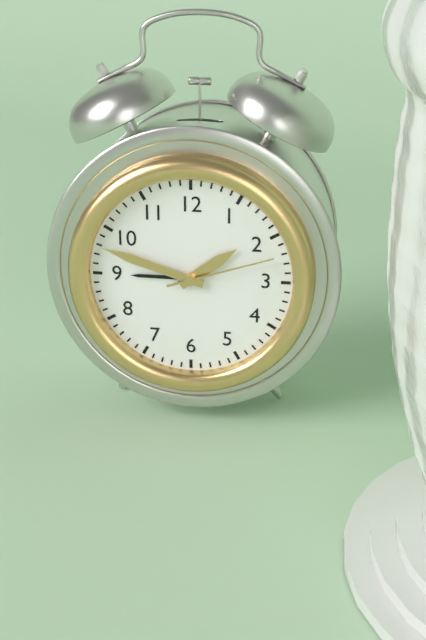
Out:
1.48.12
